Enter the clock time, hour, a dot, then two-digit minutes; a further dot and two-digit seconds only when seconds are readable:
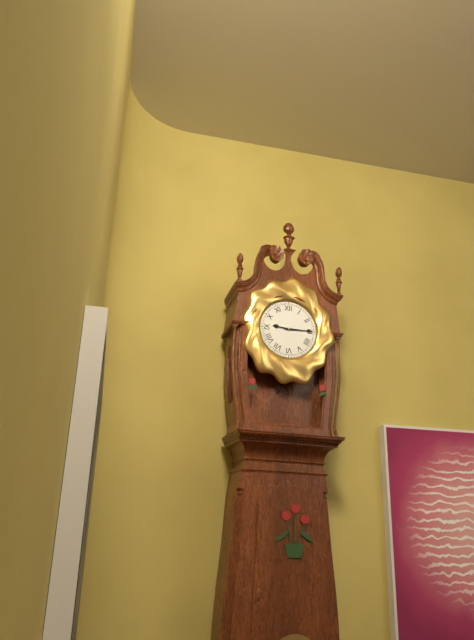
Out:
9.15
